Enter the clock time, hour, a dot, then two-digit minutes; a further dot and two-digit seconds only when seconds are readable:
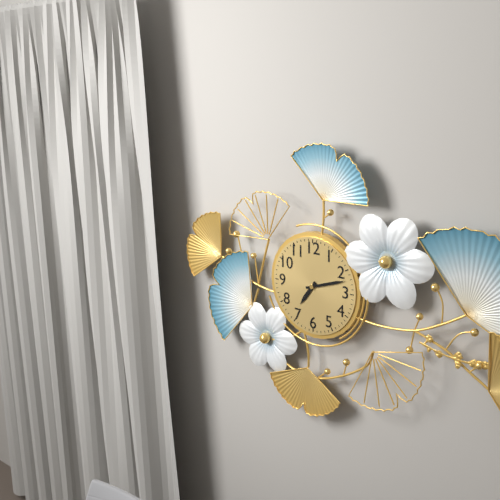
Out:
7.12
